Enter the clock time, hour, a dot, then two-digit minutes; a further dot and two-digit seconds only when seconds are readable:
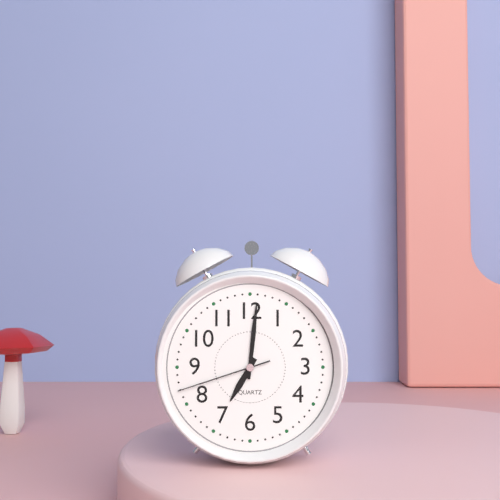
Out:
7.01.42
